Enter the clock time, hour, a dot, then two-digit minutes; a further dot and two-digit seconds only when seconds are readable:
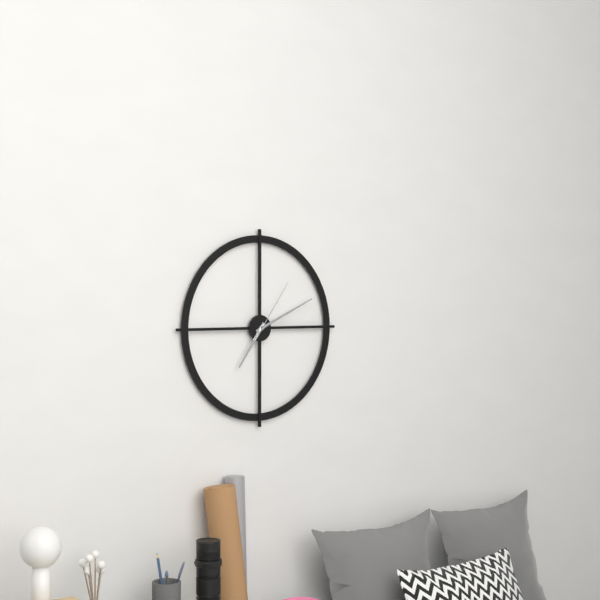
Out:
7.11.06
